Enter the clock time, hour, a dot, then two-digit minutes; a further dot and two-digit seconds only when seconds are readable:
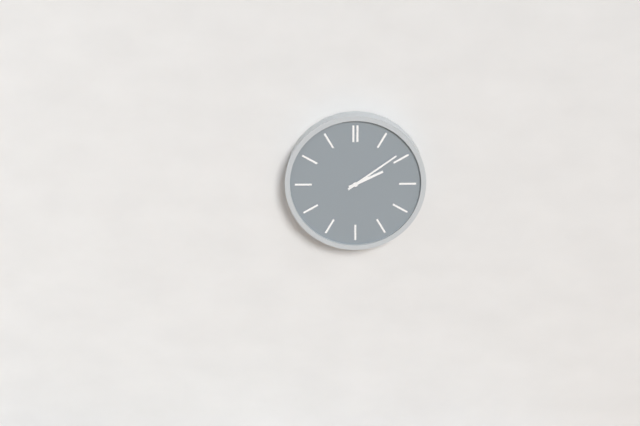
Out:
2.09
